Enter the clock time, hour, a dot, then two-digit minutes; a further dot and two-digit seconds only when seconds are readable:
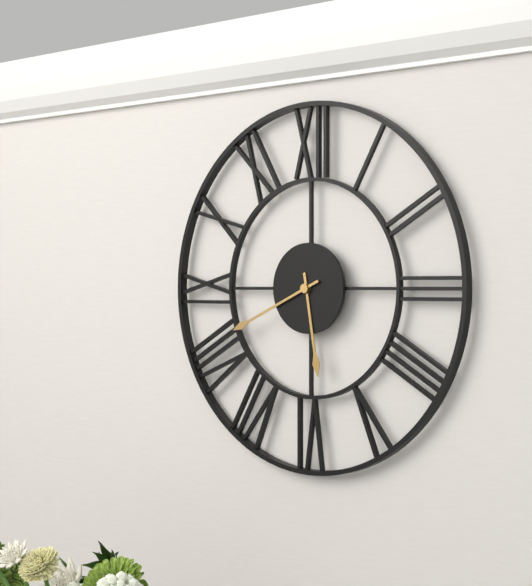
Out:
5.41
